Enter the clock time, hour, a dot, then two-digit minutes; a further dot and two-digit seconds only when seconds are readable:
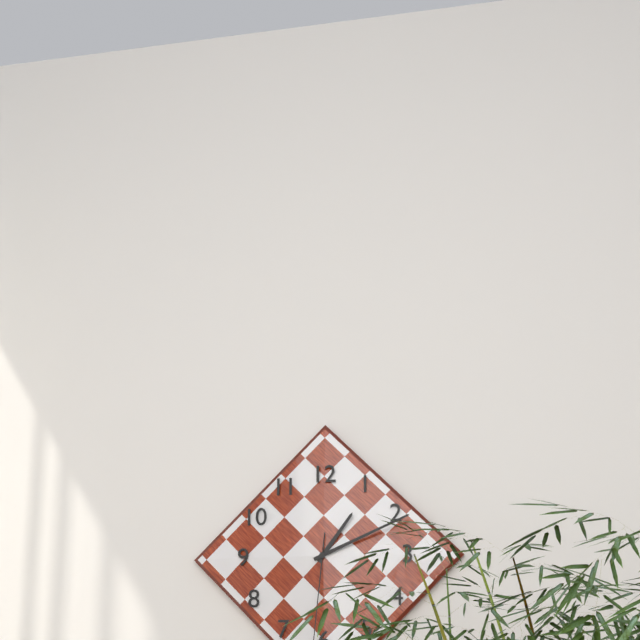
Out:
1.11
